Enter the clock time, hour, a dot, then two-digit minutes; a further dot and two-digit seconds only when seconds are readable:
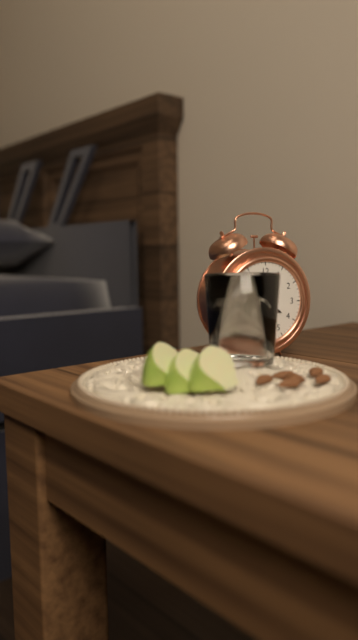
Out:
4.04
